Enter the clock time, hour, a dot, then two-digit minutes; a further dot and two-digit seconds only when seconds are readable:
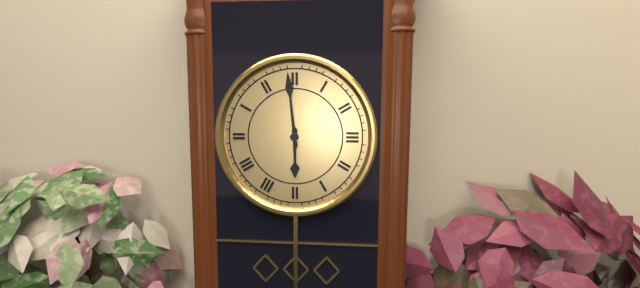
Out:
5.59
